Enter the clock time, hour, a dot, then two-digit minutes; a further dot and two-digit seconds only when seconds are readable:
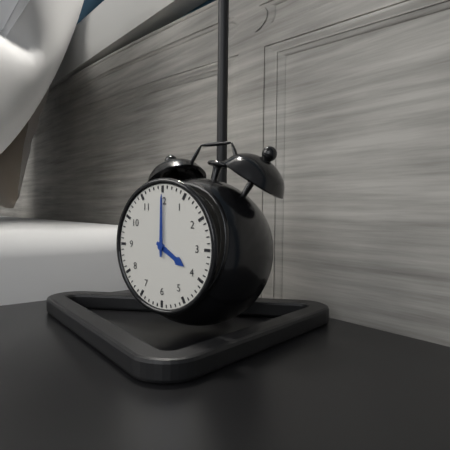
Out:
4.00
